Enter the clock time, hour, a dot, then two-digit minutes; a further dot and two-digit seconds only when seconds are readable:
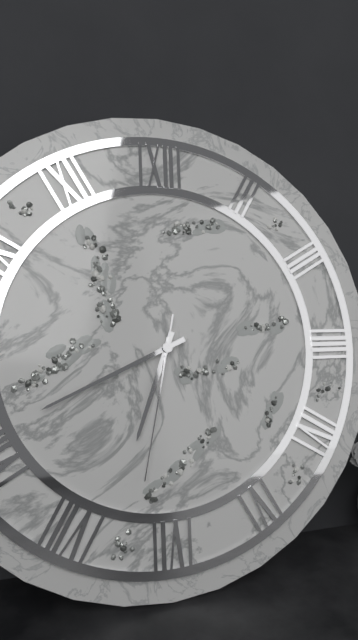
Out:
6.41.32
